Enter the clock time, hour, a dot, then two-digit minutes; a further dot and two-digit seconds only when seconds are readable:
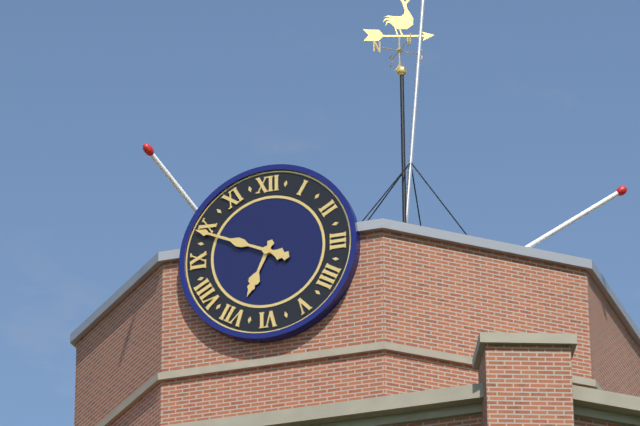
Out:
6.49
